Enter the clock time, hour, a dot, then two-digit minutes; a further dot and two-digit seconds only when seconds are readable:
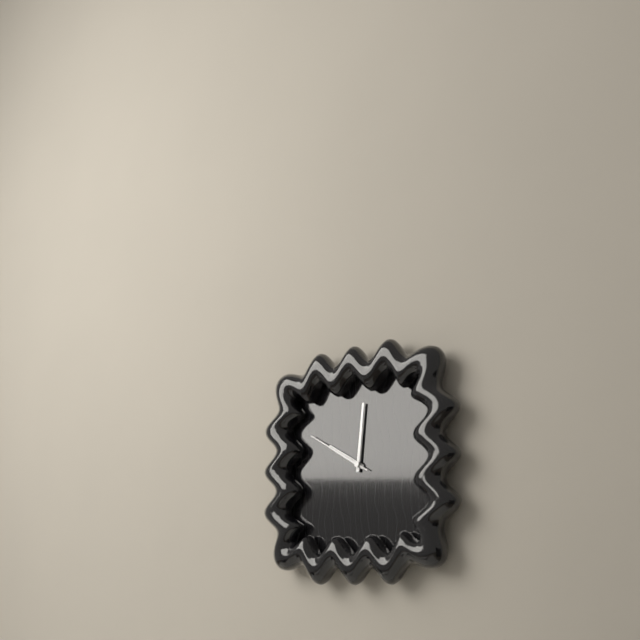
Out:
10.01.50
